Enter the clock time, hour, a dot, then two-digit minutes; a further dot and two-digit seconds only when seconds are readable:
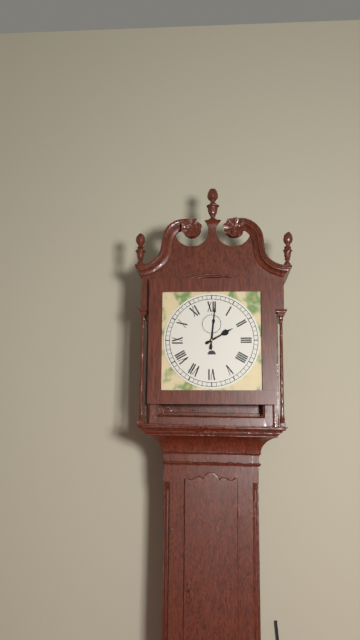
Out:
2.01
